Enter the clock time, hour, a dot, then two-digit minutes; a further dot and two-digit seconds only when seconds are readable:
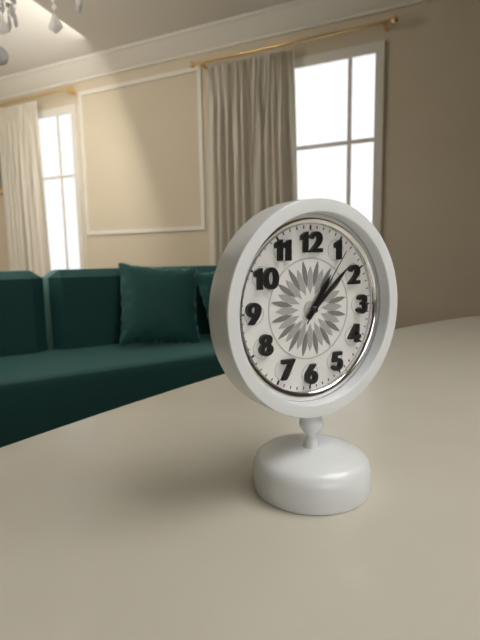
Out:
1.08.06
